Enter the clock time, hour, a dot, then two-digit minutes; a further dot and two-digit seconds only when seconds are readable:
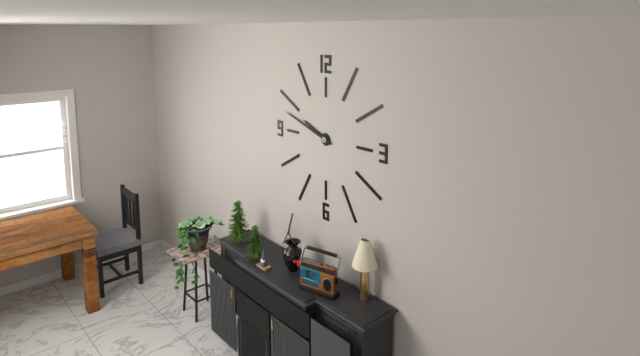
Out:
9.48
